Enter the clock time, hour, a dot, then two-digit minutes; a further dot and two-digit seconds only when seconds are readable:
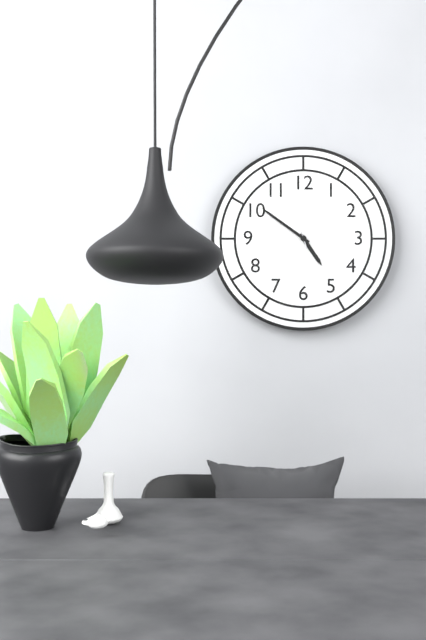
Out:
4.51.57
